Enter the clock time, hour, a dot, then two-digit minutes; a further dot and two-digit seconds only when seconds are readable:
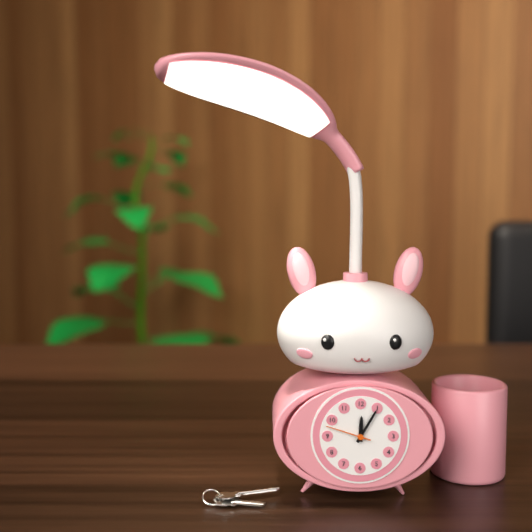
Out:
12.05
